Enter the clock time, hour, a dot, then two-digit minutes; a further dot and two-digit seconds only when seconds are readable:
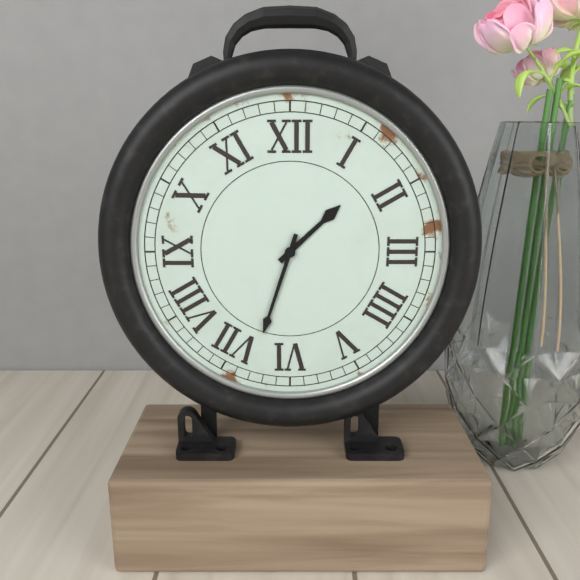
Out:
1.33
